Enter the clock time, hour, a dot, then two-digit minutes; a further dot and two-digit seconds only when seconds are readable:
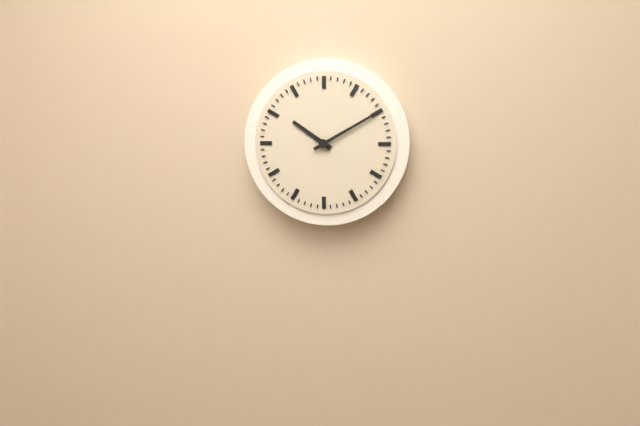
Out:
10.10
